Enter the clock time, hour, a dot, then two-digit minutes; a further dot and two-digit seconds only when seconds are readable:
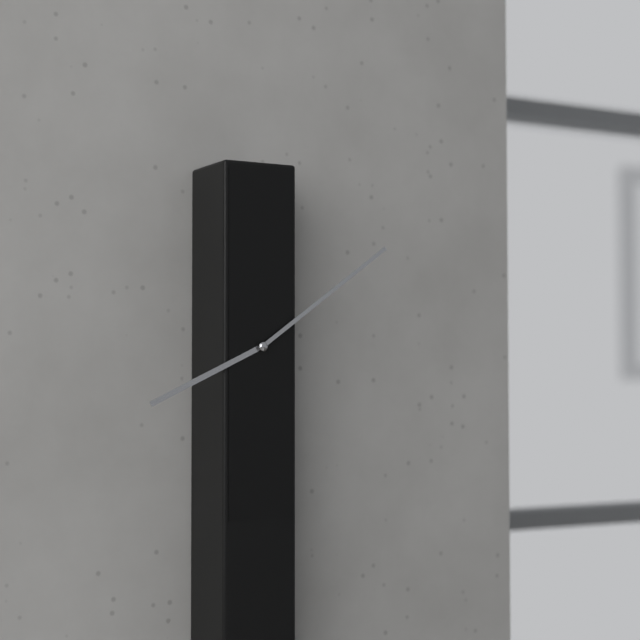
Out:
8.09
